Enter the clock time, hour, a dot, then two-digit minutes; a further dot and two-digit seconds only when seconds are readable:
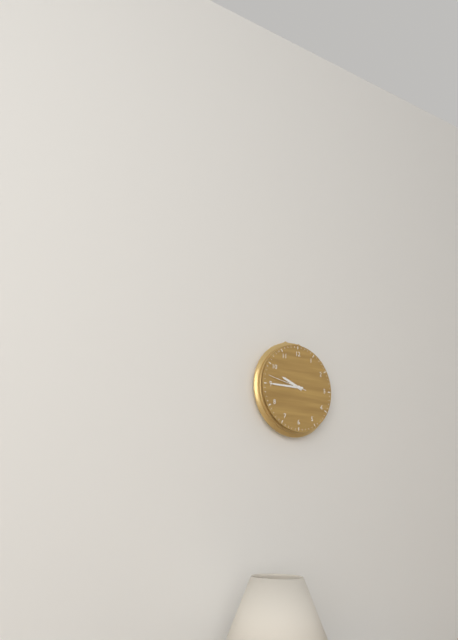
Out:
9.45
